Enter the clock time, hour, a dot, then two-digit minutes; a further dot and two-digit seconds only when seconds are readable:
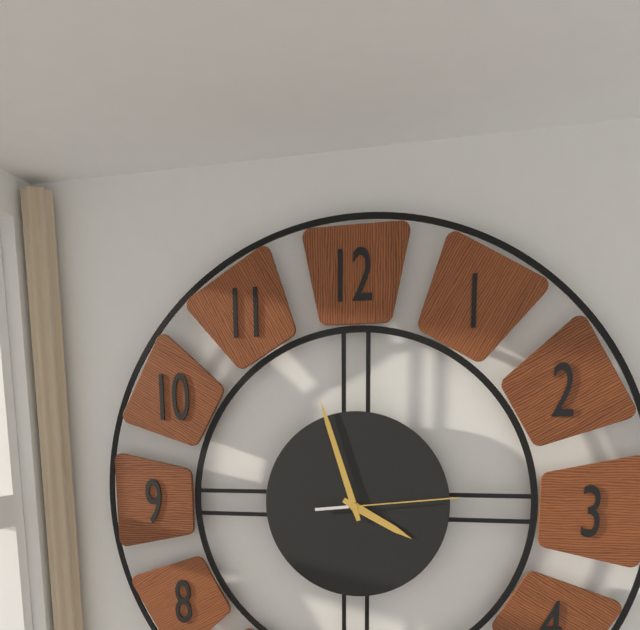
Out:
3.57.14
